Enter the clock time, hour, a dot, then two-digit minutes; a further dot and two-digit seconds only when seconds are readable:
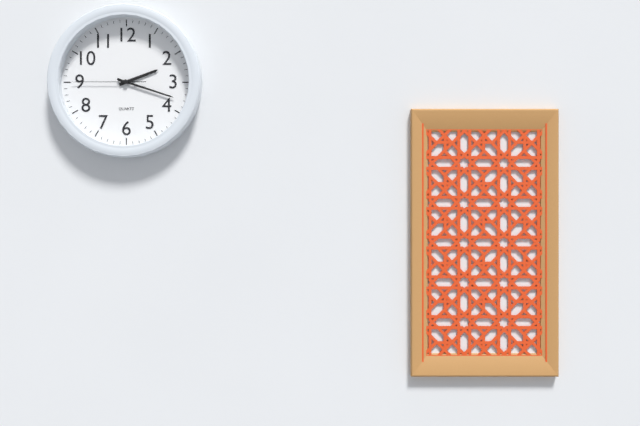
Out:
2.18.45
